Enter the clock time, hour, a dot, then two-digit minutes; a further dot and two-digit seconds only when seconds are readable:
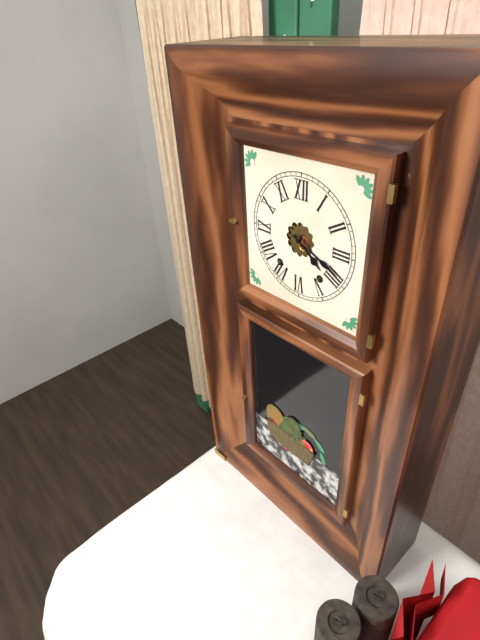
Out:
4.19
